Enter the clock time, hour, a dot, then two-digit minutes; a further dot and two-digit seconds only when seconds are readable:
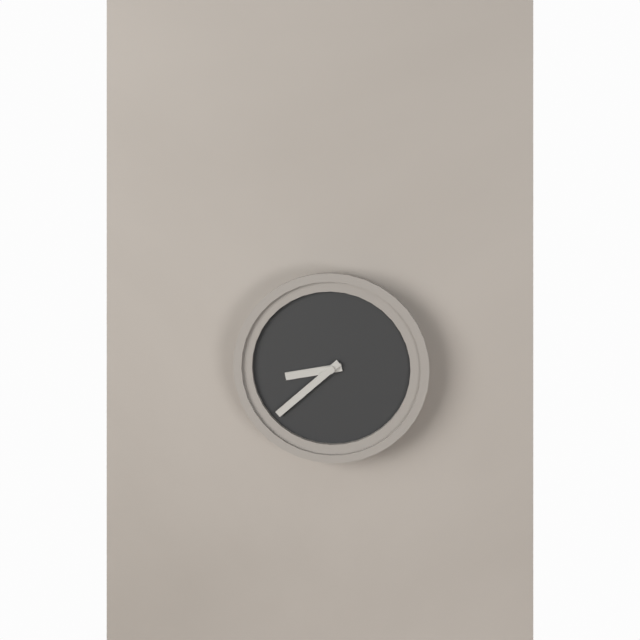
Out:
8.38
